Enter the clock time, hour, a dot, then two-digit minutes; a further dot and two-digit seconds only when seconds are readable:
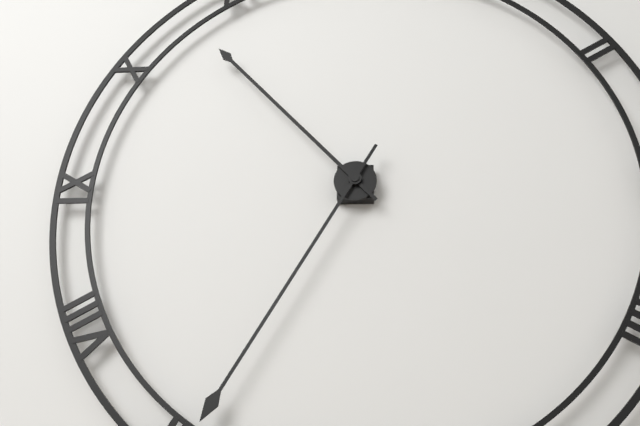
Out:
10.35
